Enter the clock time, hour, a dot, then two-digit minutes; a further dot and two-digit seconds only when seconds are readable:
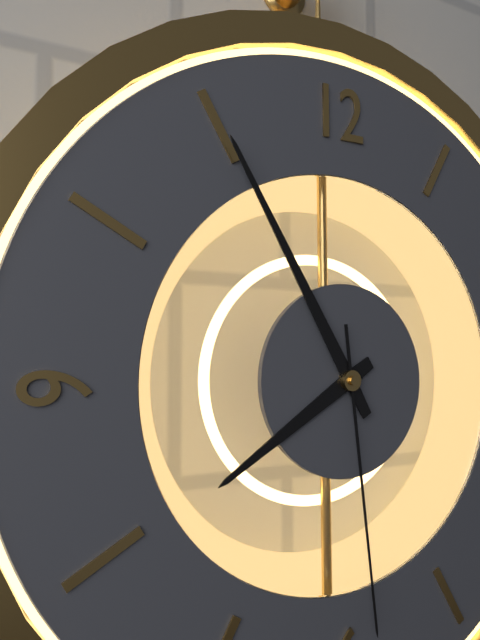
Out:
7.55.29
